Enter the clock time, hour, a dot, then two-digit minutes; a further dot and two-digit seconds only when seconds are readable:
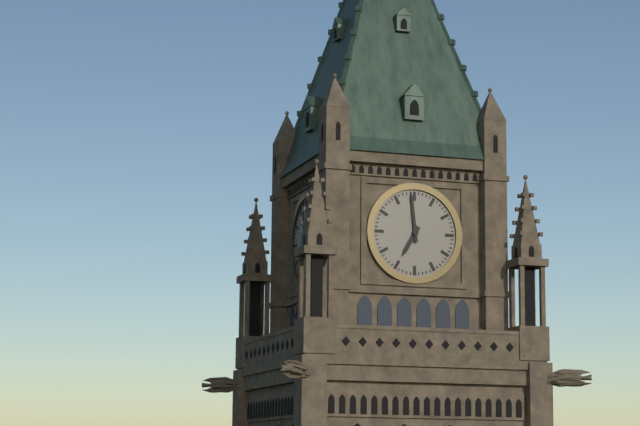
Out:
6.59
